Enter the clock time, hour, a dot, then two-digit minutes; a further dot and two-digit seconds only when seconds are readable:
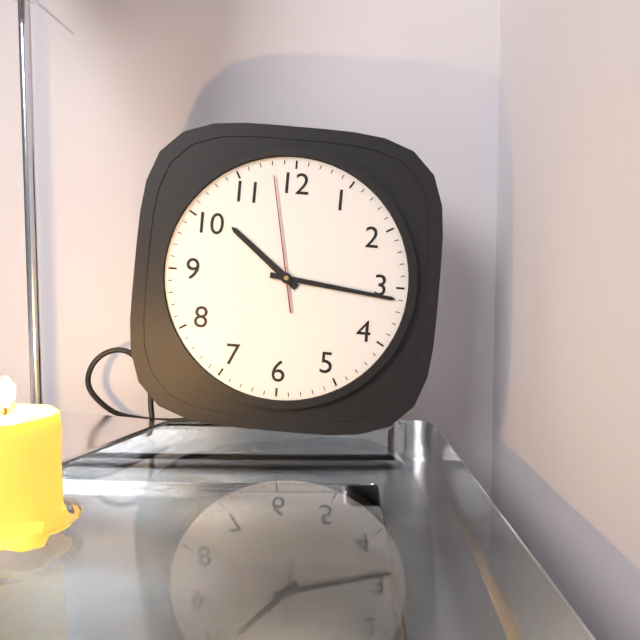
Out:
10.16.58
